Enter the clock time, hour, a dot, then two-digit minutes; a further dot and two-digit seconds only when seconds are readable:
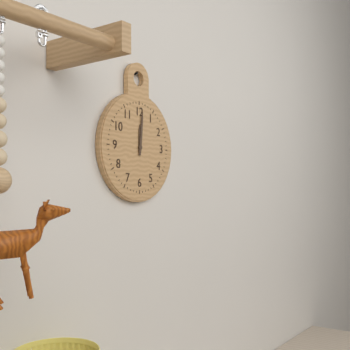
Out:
12.01
